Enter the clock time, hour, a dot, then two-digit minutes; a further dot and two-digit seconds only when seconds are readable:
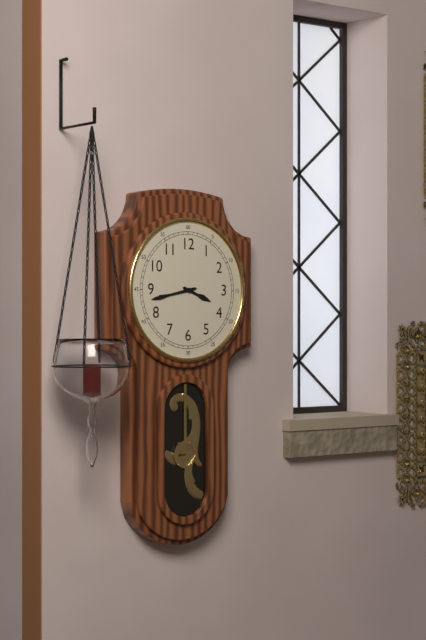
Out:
3.43
